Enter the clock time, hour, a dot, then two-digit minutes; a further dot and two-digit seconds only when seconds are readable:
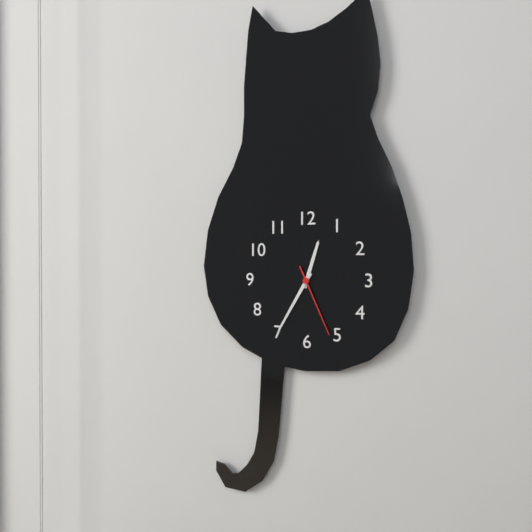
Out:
12.35.26
